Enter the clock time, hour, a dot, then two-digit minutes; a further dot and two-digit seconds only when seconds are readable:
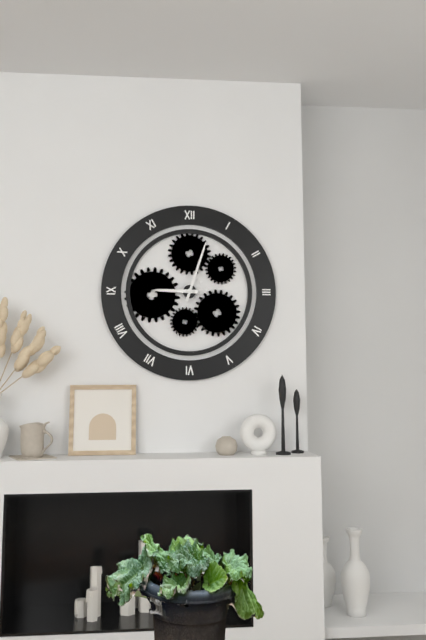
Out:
9.03
